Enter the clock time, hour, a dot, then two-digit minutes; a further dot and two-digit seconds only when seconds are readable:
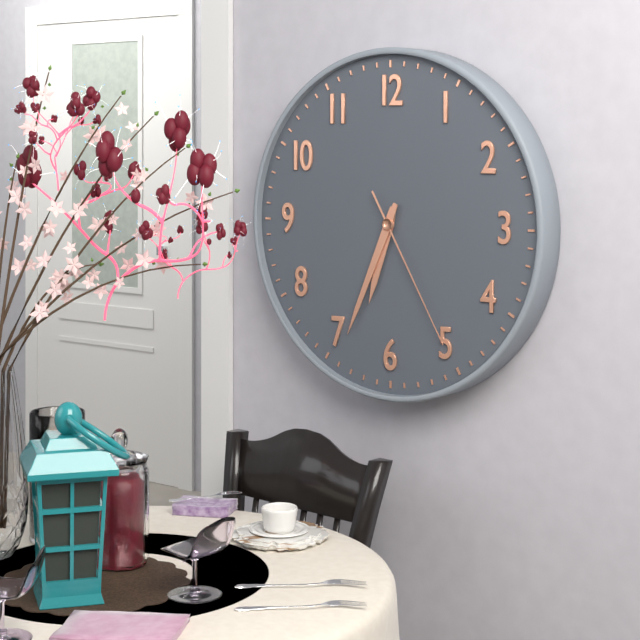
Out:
6.34.25
